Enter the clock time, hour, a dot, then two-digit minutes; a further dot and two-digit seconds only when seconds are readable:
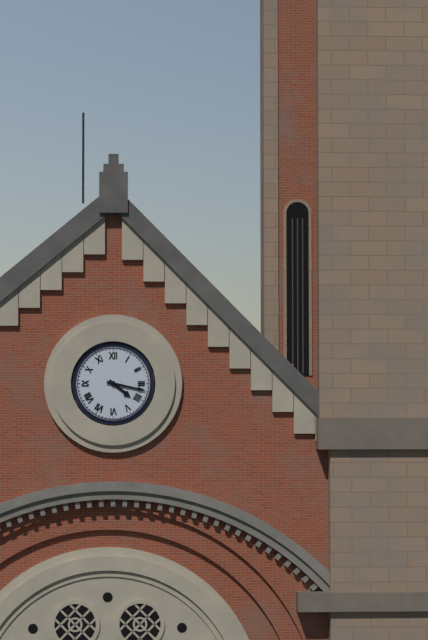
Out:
4.17
